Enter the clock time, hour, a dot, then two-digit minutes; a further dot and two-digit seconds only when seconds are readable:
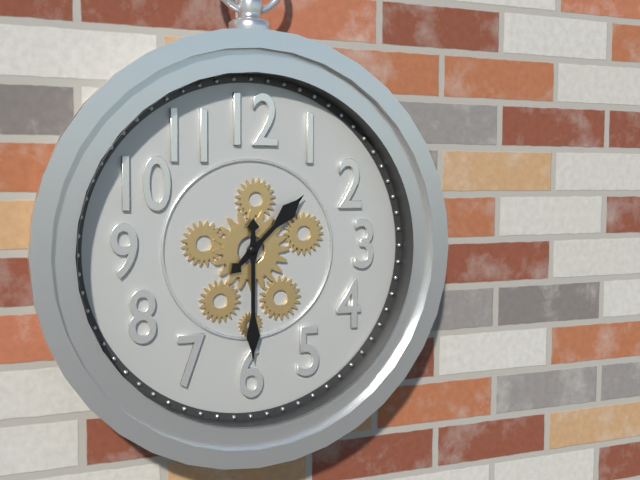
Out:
1.30
